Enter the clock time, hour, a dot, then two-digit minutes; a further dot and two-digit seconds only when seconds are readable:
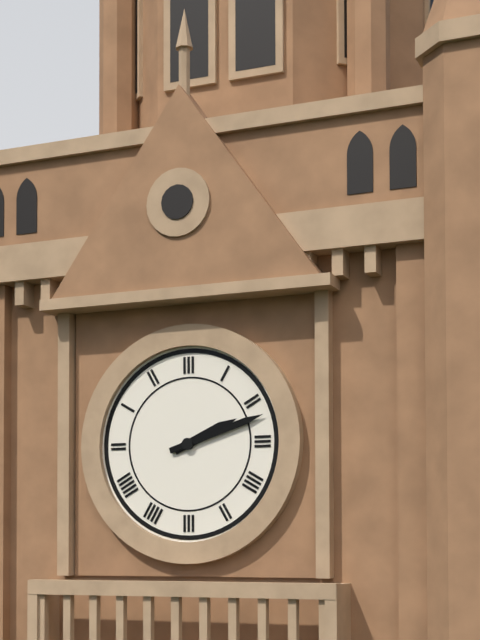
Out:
2.12
